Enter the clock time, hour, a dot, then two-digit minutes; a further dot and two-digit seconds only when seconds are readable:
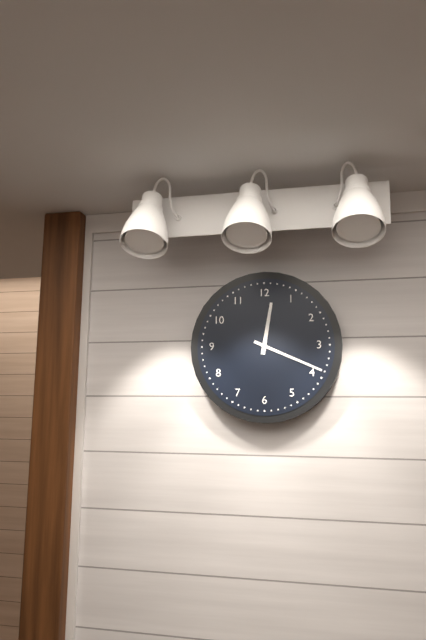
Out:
12.19
